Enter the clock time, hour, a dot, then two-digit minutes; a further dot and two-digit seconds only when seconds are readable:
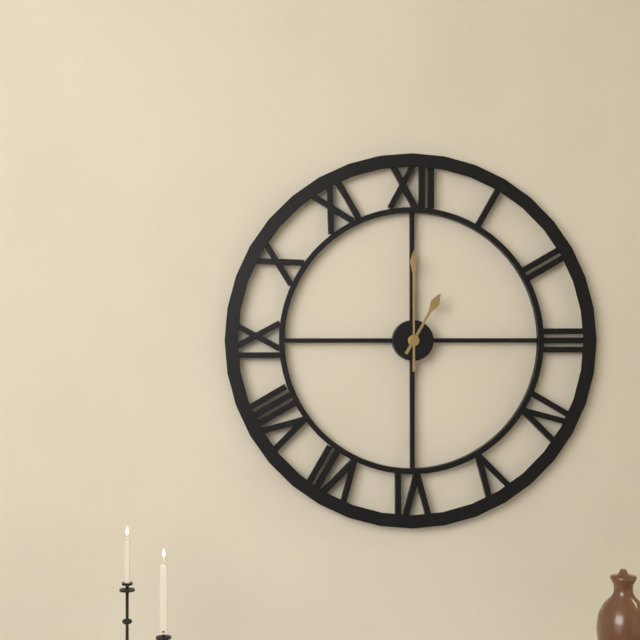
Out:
1.00
